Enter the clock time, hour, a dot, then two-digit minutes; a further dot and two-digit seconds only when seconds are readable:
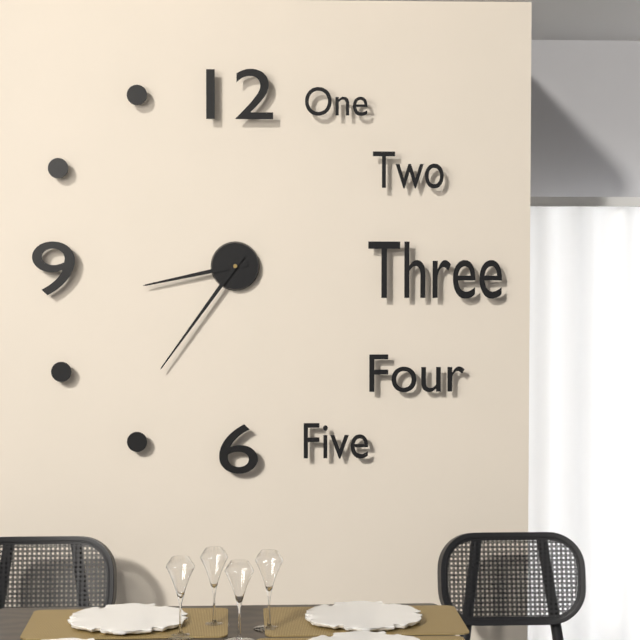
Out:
8.36
